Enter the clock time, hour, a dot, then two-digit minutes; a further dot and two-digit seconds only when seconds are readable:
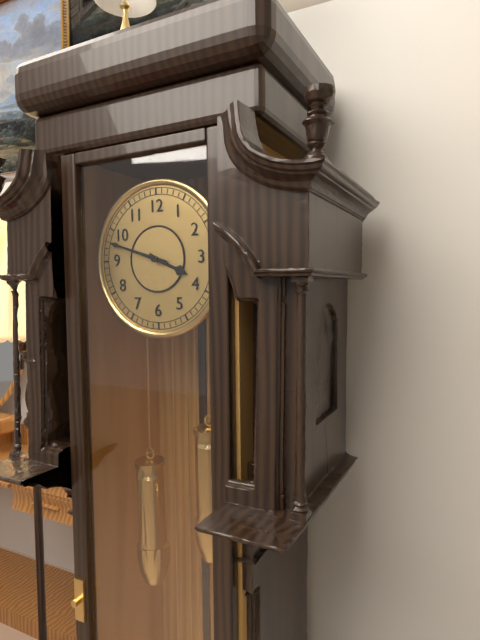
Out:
3.48
